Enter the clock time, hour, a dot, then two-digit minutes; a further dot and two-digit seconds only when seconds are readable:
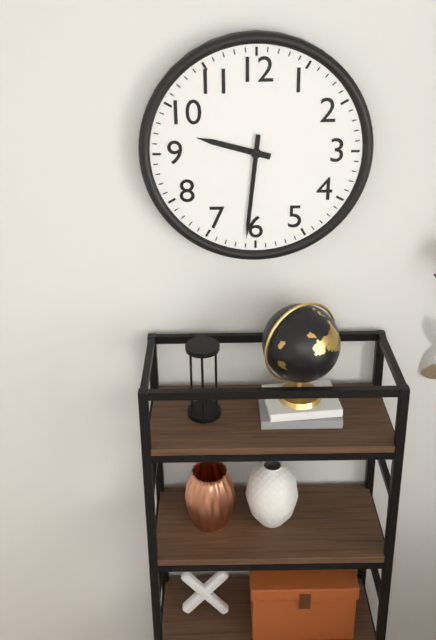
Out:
9.31
